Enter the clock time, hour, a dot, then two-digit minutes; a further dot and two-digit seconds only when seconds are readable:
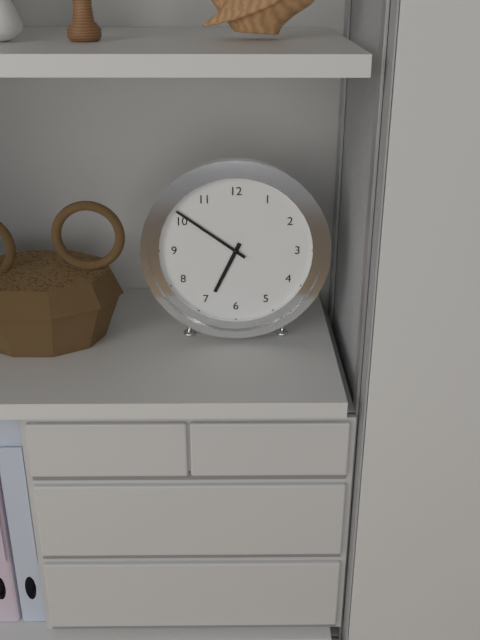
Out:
6.51
